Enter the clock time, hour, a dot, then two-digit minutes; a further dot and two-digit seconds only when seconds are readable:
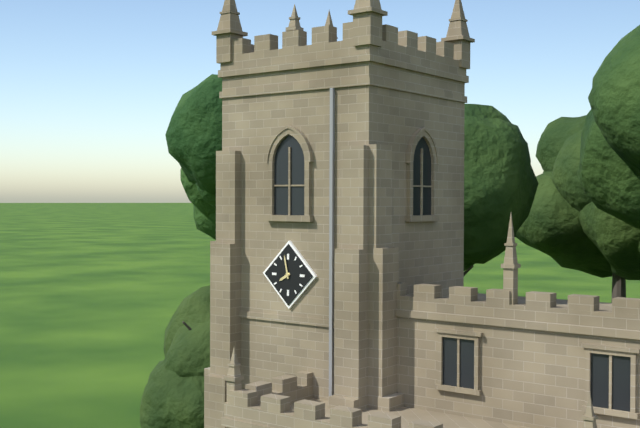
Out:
7.58
